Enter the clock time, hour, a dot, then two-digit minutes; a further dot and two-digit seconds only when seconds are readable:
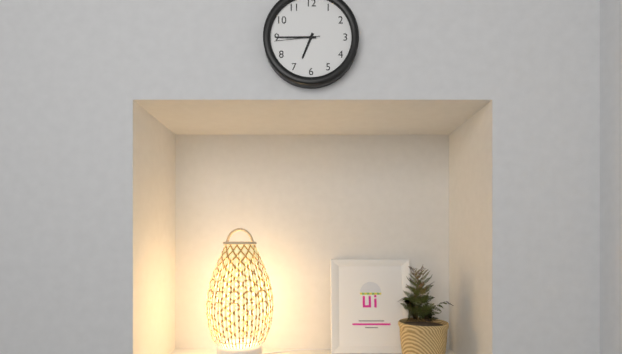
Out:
6.45
